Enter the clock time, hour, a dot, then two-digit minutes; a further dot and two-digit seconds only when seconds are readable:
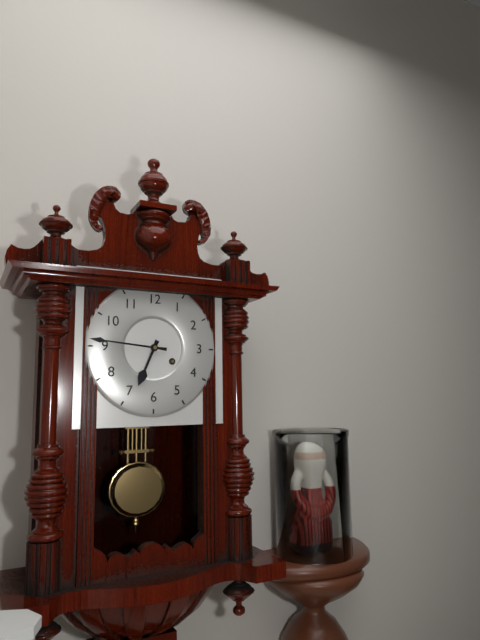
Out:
6.46
